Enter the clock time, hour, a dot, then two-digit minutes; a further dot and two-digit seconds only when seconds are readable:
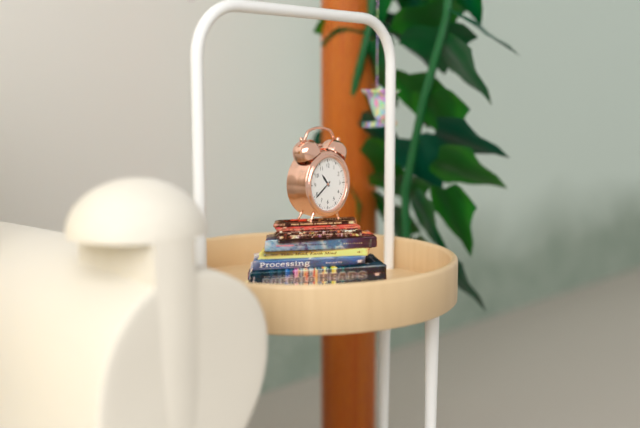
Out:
10.39
